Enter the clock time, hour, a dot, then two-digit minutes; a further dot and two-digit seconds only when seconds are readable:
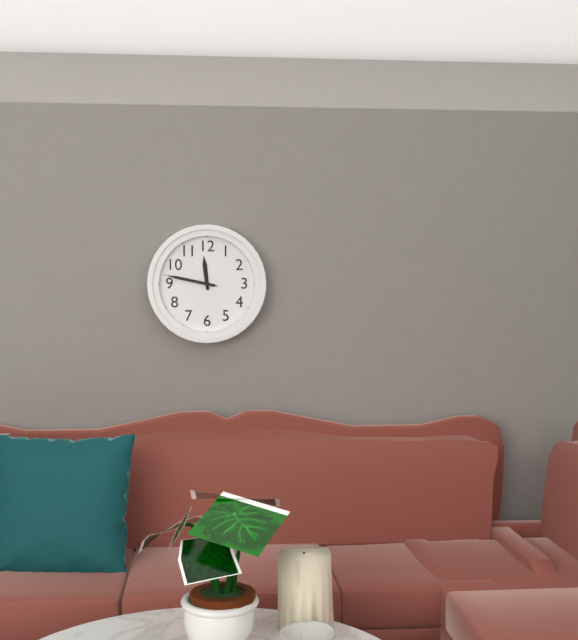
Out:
11.47.47
